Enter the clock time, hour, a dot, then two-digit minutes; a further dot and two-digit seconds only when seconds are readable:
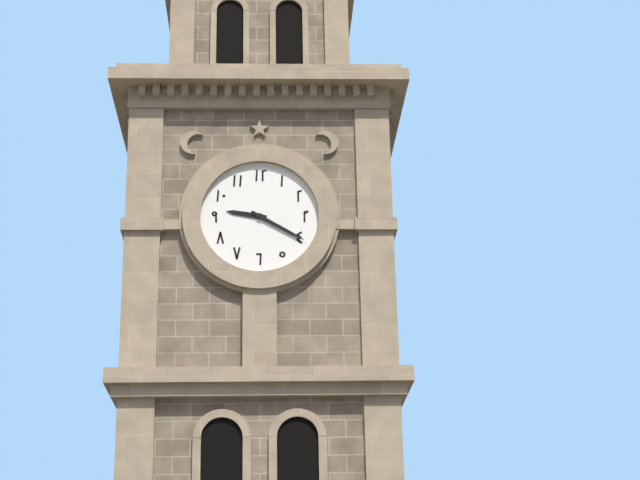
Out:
9.20
